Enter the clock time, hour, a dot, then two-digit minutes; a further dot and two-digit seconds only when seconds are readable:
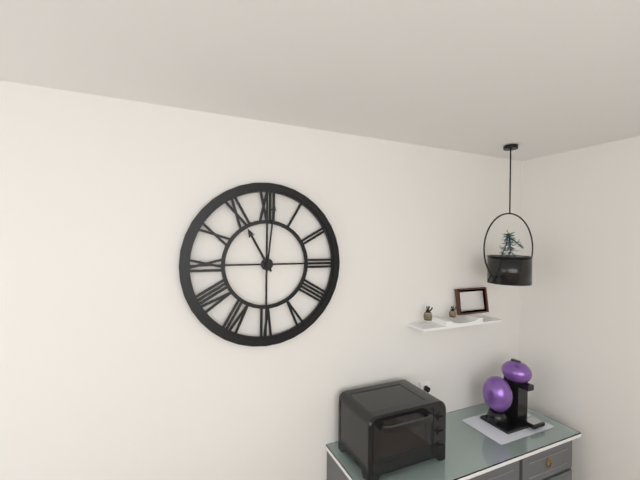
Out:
11.01
